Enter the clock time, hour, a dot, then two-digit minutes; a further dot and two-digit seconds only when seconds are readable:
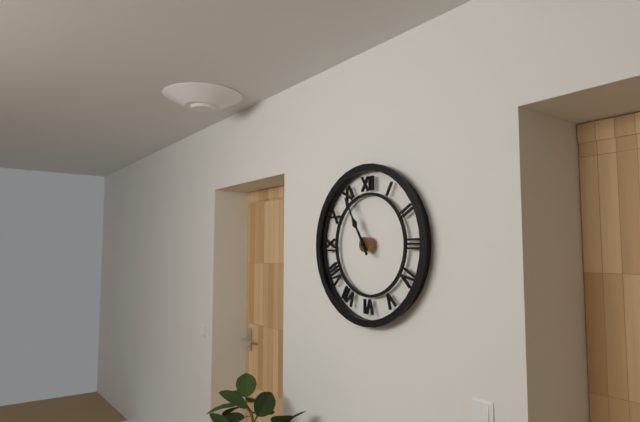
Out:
10.55
